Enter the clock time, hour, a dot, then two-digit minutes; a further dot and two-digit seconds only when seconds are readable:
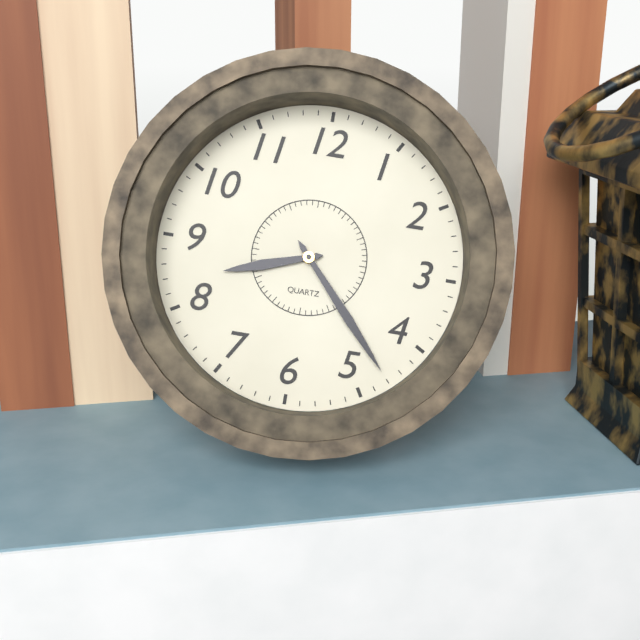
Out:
8.23
